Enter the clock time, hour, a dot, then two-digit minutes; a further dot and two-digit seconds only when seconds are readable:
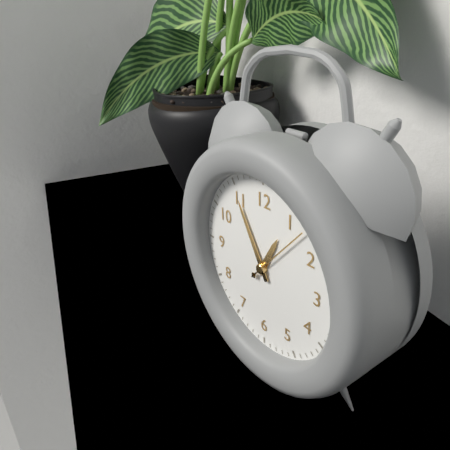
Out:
12.55.07
